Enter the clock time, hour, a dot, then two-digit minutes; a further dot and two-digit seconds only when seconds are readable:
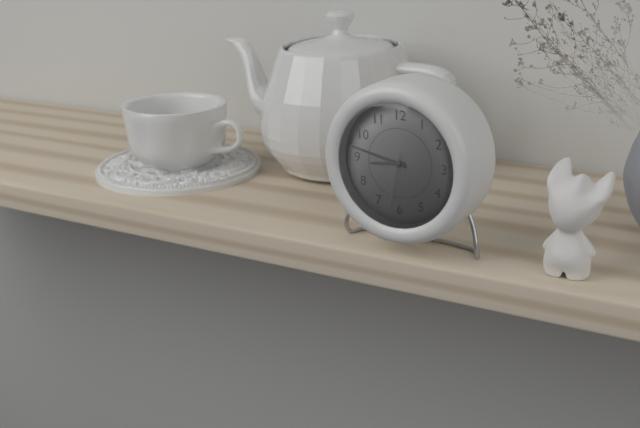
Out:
8.47.32
